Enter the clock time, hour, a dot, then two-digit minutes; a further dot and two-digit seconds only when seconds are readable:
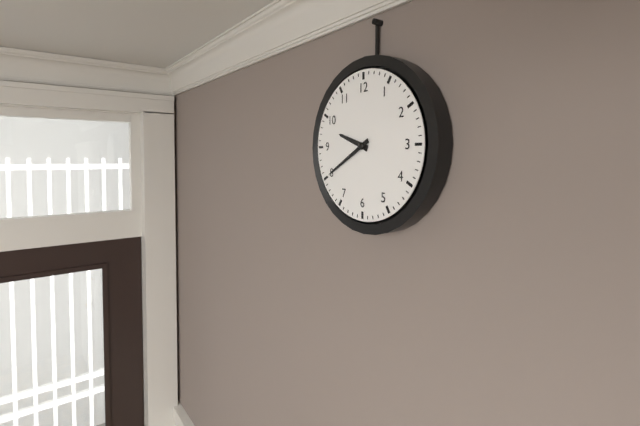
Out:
9.40
